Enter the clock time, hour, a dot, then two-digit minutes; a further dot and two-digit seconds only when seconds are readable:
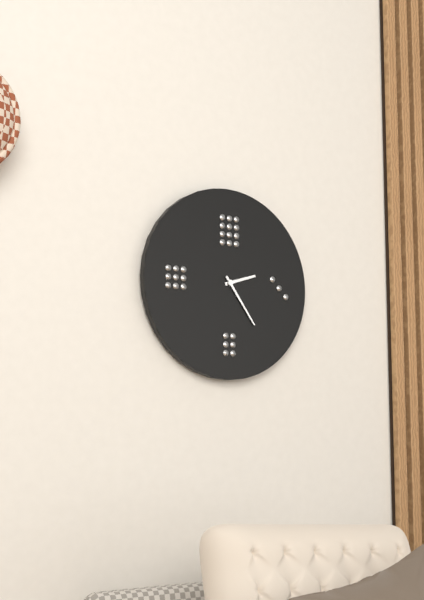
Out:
2.24
